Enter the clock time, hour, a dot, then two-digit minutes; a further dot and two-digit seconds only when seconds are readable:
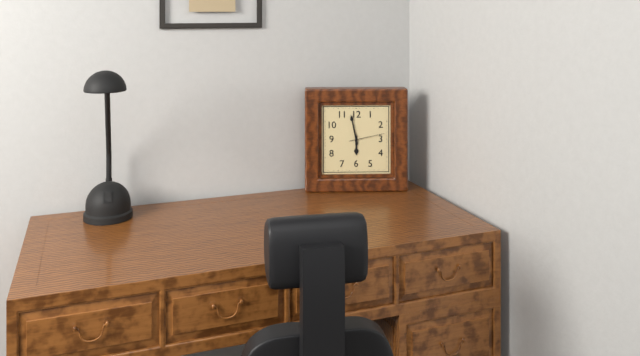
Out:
5.58
